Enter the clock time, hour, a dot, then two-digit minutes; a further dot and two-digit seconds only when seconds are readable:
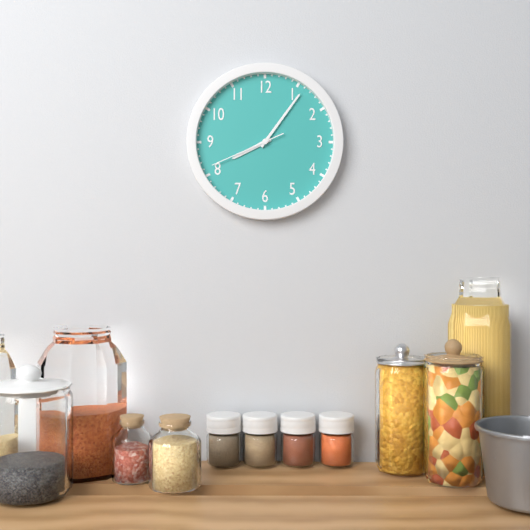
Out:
8.06.41
